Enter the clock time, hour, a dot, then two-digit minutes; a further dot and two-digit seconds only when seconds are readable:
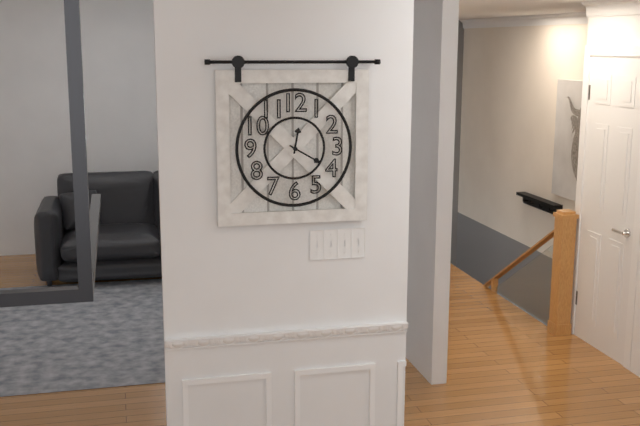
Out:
12.20
